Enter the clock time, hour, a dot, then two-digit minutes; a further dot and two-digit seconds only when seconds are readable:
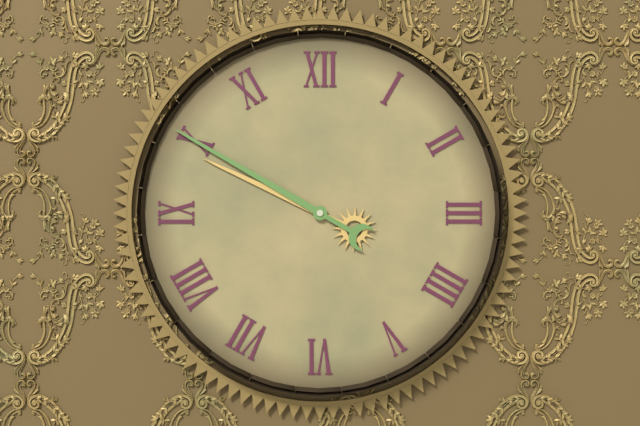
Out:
9.50
